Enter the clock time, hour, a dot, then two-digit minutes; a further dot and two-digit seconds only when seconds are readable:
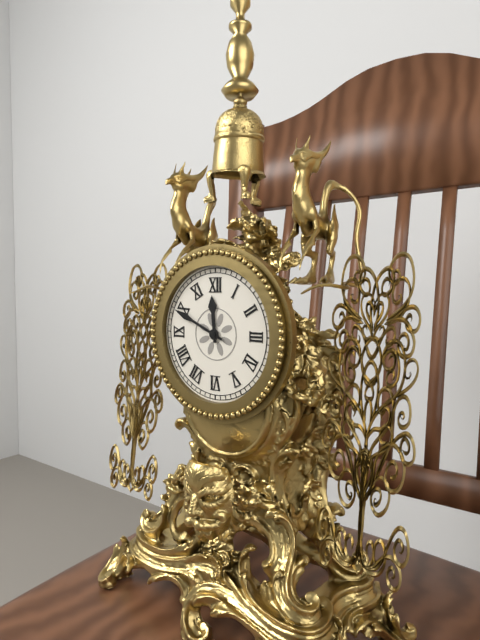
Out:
11.49
